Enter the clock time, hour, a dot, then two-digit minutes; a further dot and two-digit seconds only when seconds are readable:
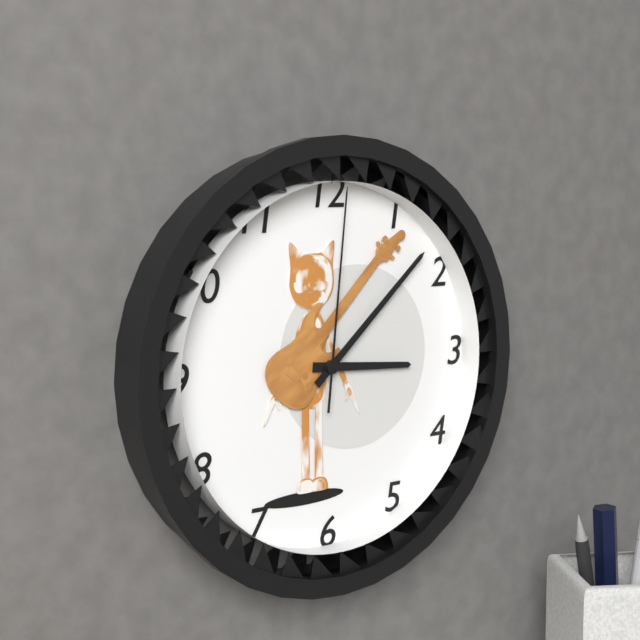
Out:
3.08.01
